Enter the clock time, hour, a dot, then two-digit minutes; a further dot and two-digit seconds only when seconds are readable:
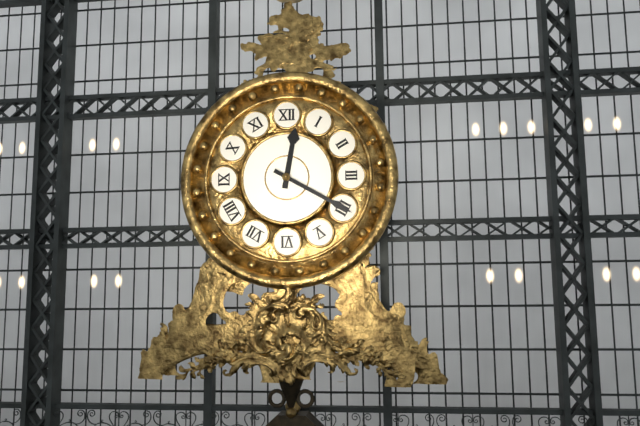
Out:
12.20
